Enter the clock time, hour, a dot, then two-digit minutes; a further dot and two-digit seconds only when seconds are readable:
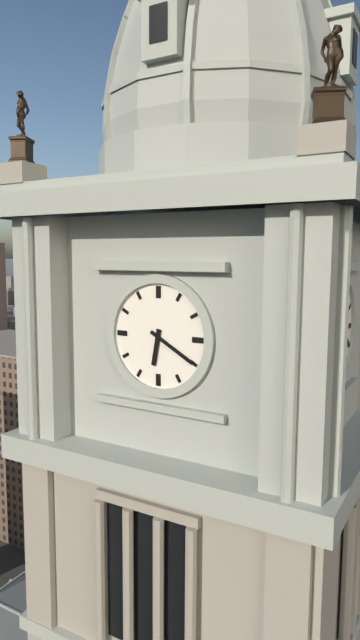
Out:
6.20
